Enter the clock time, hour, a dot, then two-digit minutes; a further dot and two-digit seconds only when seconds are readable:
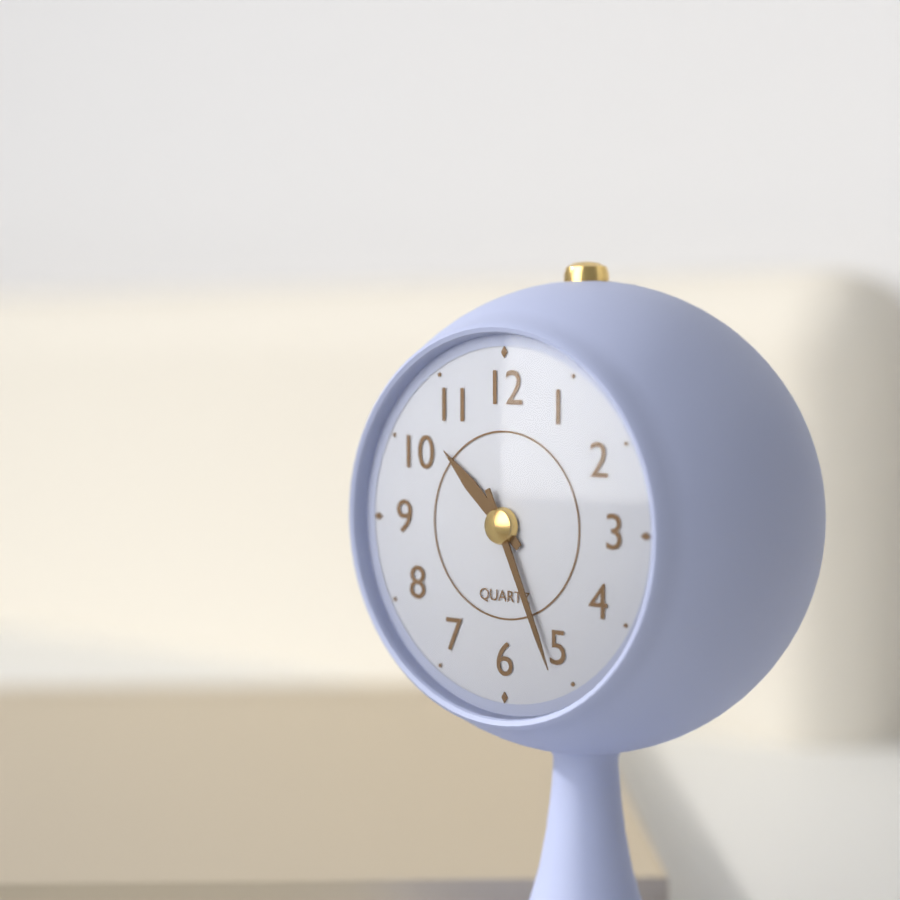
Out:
10.26
